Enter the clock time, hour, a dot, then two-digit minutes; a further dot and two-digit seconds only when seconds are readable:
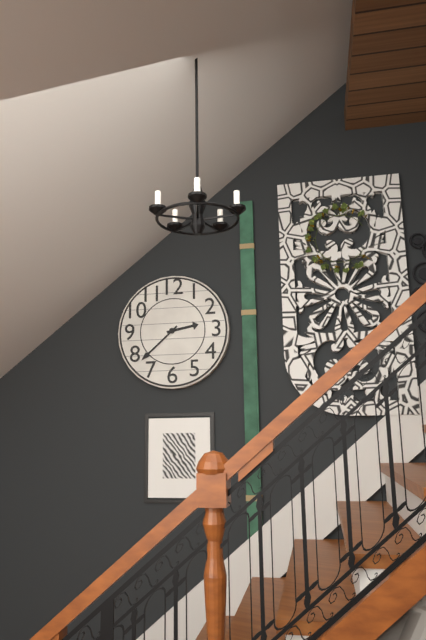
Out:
2.38
